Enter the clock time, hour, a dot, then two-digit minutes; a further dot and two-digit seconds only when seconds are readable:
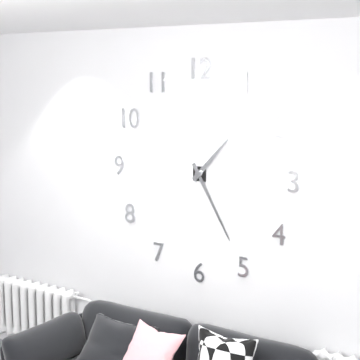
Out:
1.25
